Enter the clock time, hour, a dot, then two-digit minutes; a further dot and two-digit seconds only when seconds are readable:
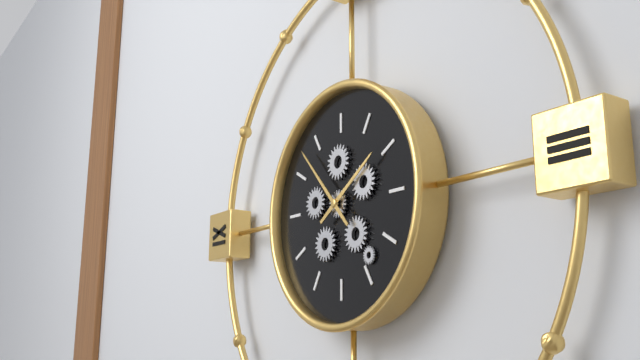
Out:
1.53
